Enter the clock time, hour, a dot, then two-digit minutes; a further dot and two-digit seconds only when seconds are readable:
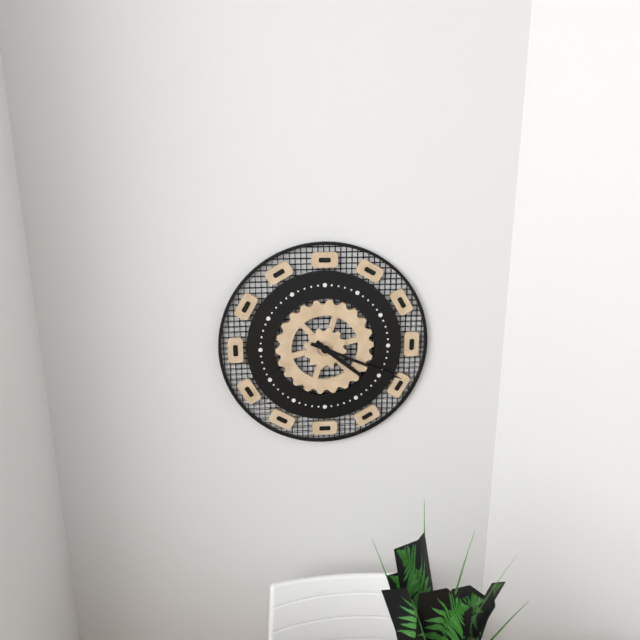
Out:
4.19
